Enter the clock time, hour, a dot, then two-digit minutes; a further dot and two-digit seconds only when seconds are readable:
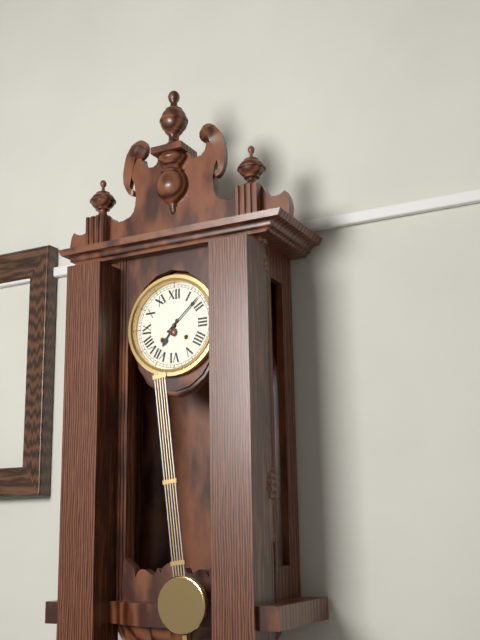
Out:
7.08
